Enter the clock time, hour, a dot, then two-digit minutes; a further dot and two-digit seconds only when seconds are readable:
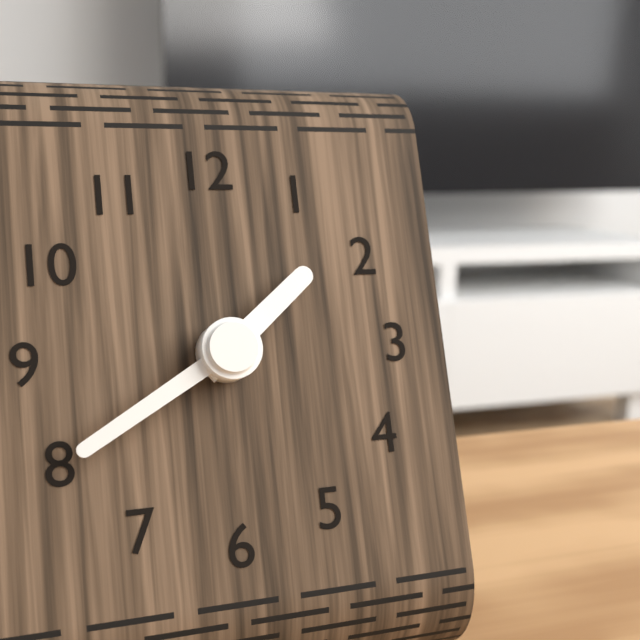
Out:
1.40
